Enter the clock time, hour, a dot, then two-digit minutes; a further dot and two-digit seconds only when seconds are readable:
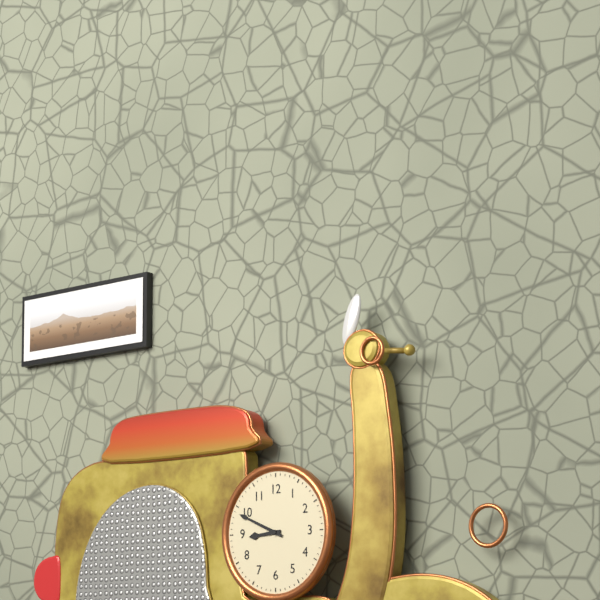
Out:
8.49
